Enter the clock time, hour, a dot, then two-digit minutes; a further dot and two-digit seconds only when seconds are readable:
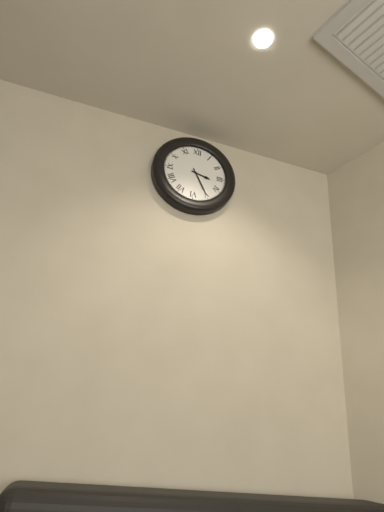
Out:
3.25
